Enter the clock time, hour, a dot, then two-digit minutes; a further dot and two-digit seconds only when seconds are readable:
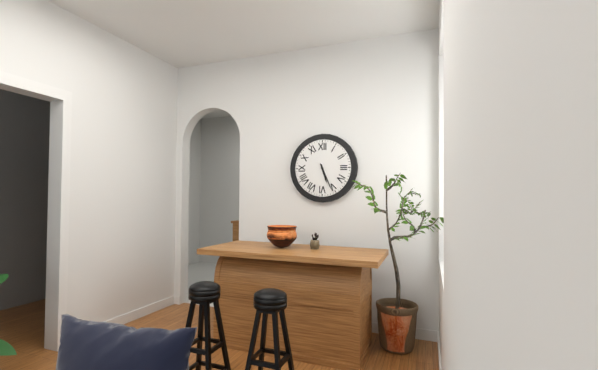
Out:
5.26
